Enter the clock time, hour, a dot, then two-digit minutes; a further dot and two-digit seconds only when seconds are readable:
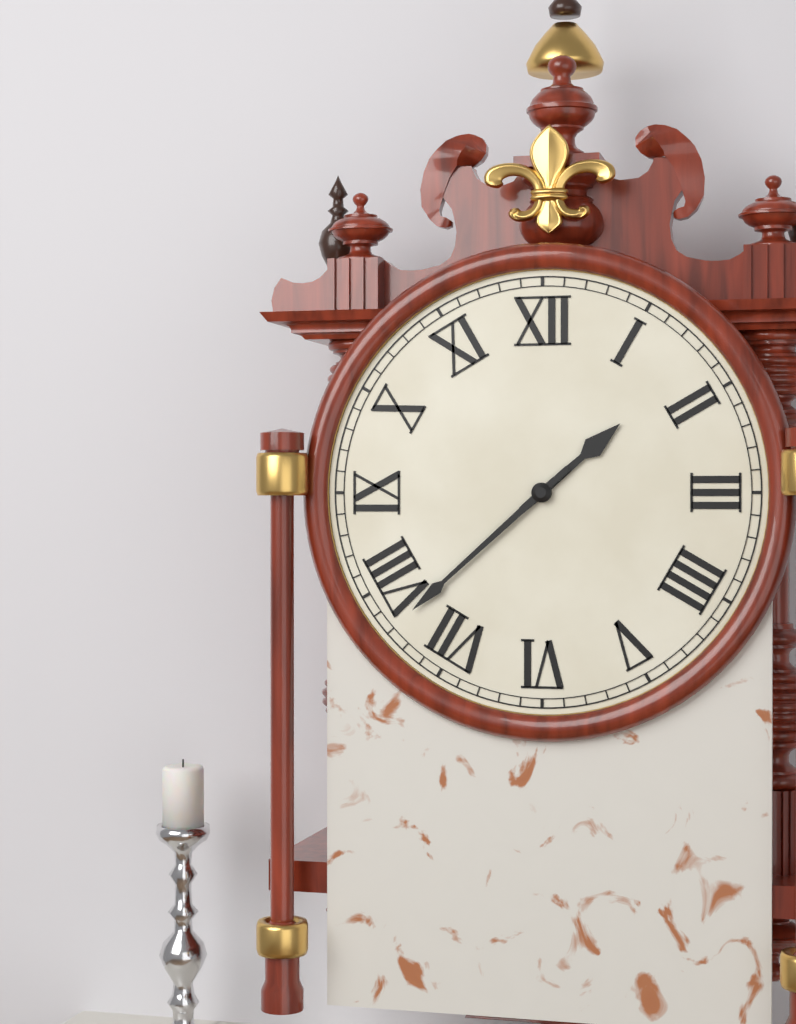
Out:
1.38
